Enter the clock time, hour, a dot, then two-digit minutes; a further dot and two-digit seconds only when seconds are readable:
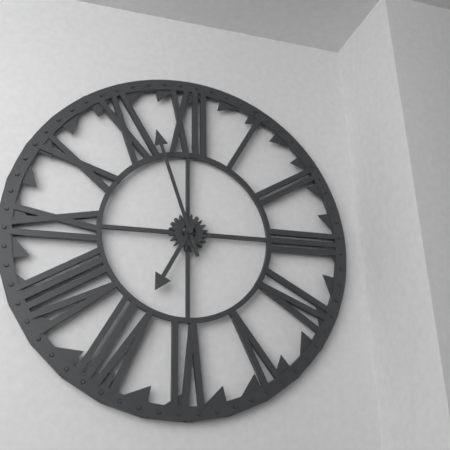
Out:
6.57
